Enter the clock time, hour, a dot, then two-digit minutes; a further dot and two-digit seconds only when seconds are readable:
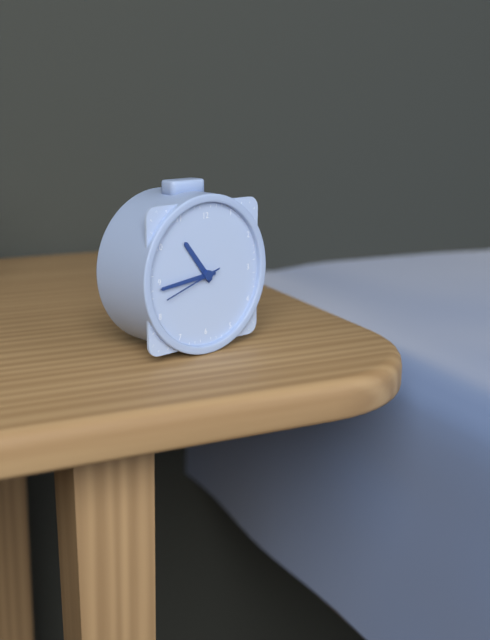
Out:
10.44.42
